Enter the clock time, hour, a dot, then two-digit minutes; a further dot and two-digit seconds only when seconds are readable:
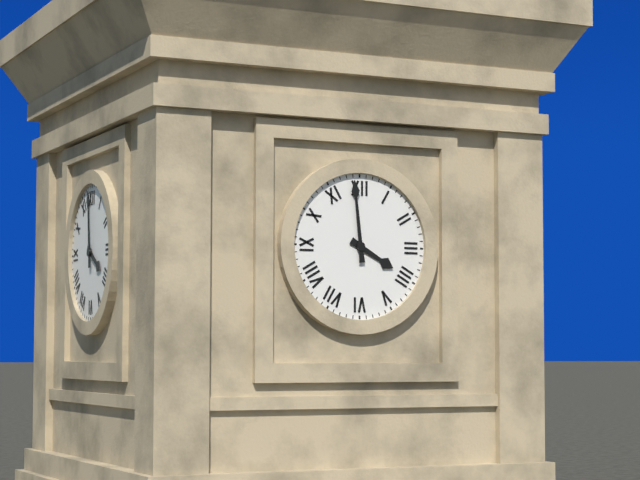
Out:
3.59
